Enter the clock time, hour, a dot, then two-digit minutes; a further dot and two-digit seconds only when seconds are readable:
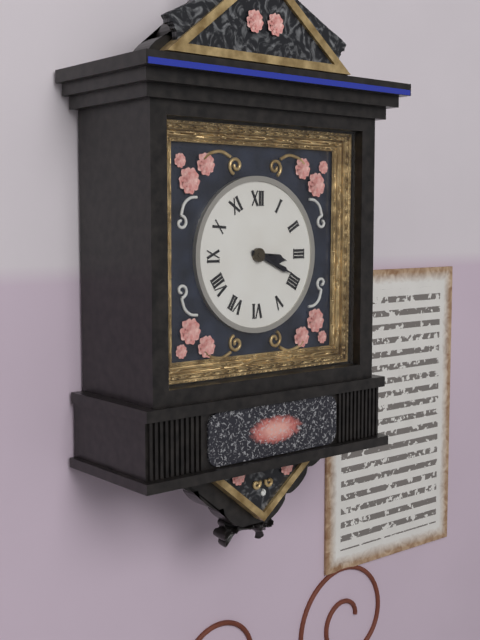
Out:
3.19
